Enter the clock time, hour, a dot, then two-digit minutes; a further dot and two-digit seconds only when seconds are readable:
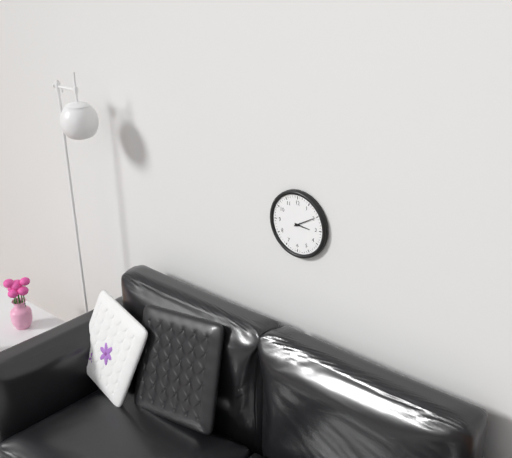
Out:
3.10
